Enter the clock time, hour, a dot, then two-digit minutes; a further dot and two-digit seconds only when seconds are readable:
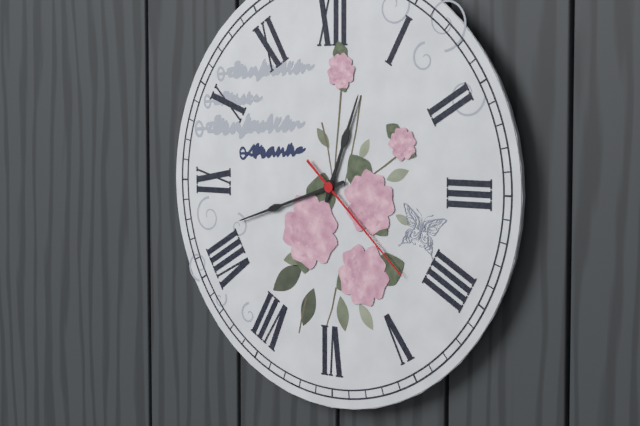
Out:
12.42.22
